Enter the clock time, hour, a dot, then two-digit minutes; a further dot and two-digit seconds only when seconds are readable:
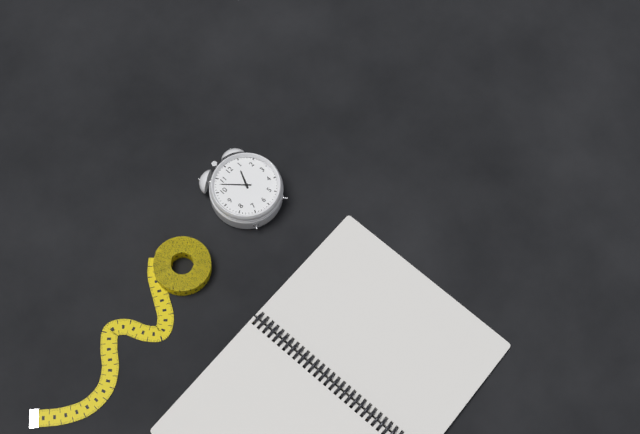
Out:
12.53
